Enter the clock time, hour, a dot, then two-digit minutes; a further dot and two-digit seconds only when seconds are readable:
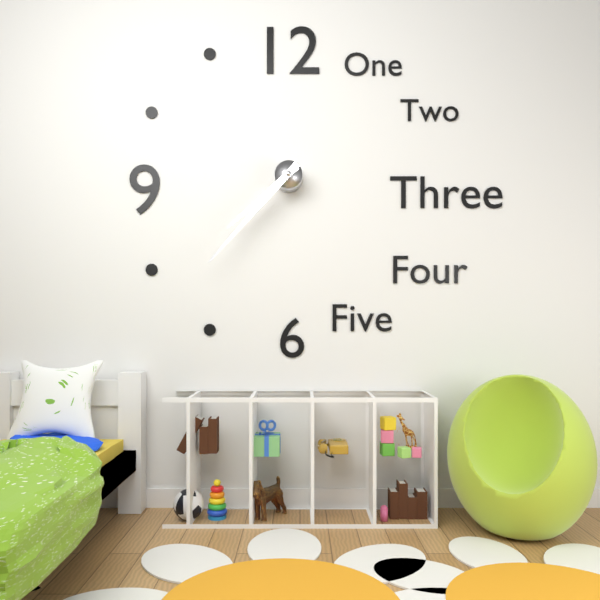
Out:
7.37
